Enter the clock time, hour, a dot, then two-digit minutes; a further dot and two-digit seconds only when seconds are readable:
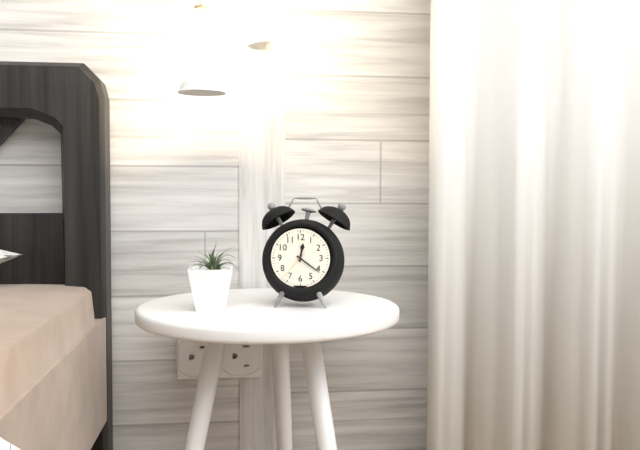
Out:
12.21
